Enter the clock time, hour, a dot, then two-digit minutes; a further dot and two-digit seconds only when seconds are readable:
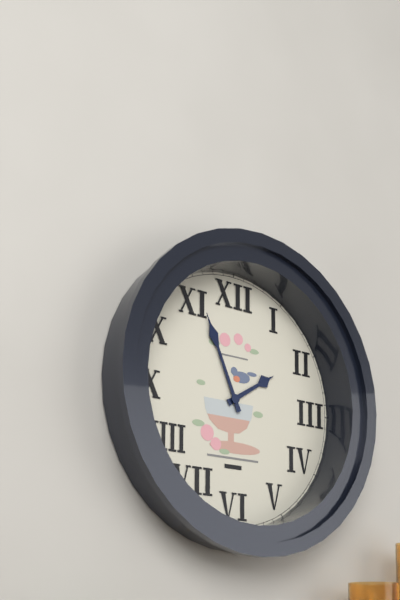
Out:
1.56
